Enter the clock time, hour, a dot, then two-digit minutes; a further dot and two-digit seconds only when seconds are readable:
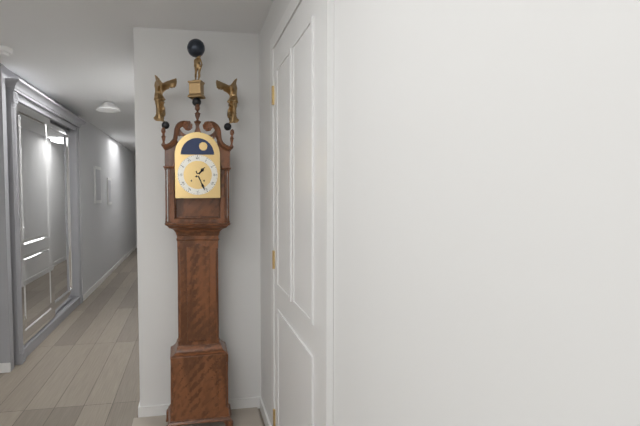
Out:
1.26
